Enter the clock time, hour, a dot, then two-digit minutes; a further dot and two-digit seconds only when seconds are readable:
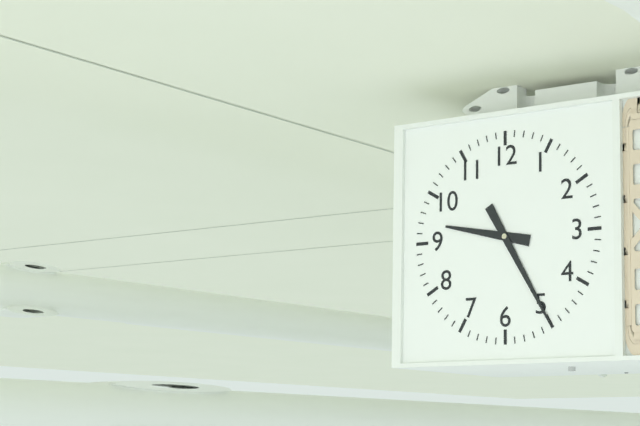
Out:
9.25
